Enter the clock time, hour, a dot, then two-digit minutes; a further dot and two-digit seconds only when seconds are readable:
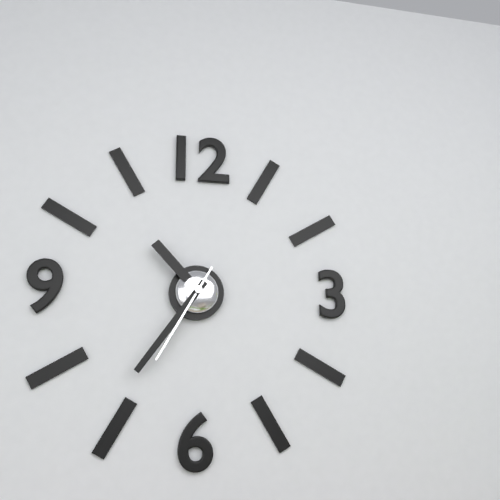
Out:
10.36.35
